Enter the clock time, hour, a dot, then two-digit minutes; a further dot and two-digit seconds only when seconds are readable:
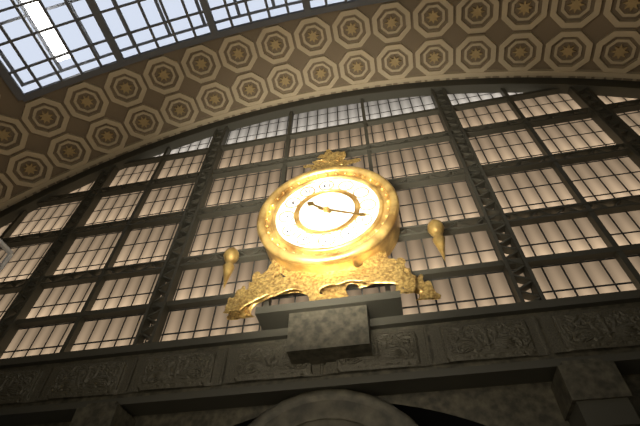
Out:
10.19
